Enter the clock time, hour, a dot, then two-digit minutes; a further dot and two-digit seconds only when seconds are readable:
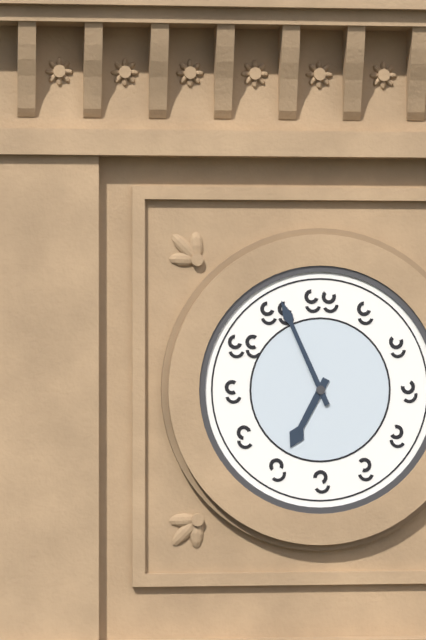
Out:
6.56
